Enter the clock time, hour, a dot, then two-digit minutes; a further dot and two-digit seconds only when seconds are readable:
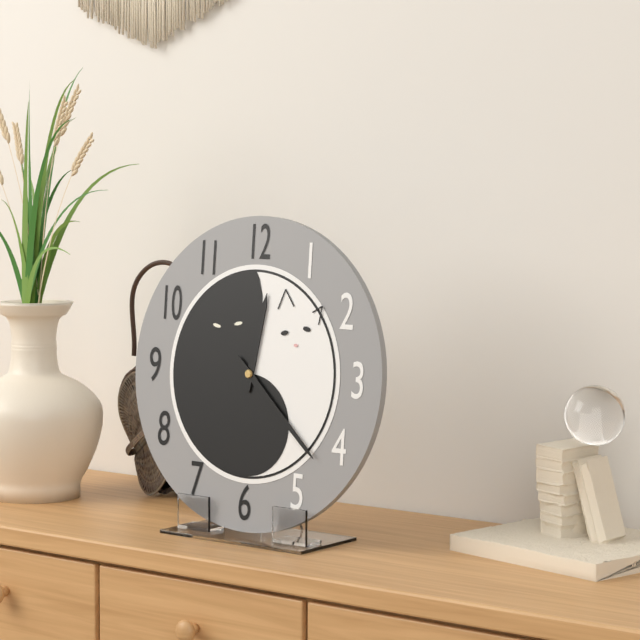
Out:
12.22
